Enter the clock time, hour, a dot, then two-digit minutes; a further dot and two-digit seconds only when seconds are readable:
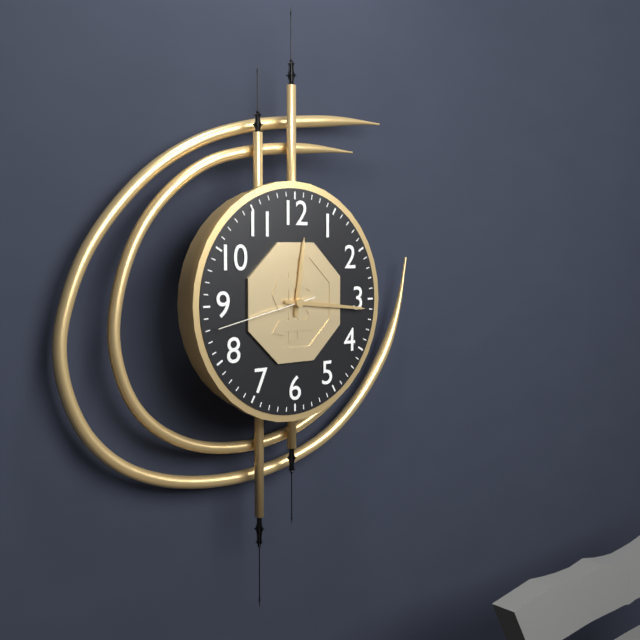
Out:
12.16.43
